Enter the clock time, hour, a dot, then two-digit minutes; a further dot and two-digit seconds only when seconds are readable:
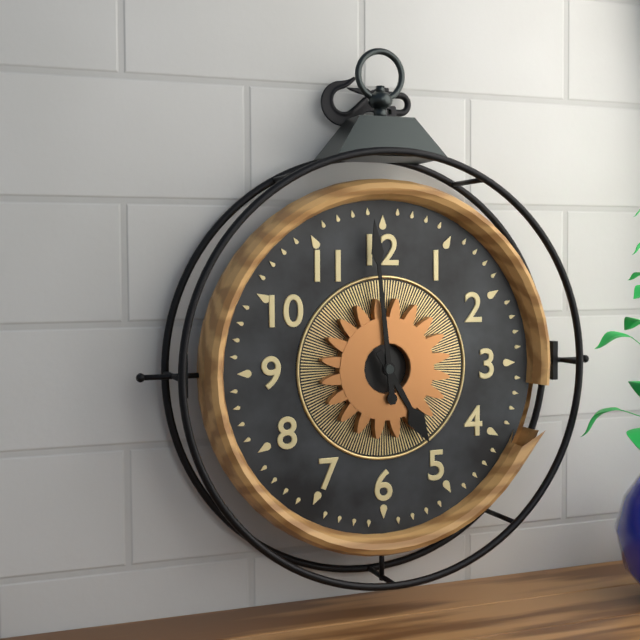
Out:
4.59
